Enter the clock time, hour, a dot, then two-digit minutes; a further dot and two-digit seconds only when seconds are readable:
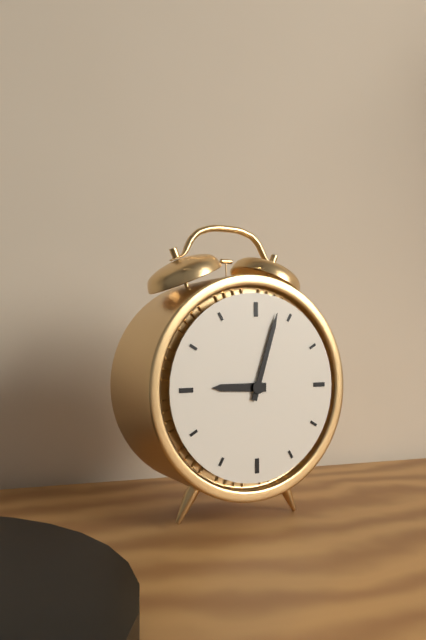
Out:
9.03
